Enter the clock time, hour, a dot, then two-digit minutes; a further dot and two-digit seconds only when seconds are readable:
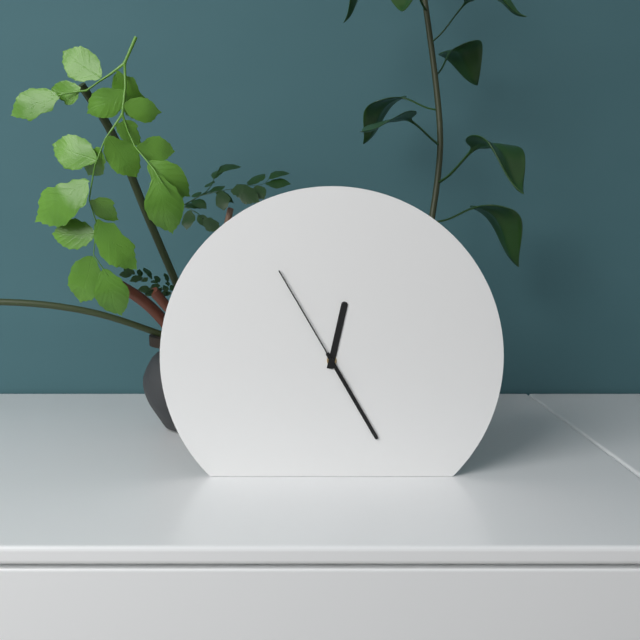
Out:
12.25.55
